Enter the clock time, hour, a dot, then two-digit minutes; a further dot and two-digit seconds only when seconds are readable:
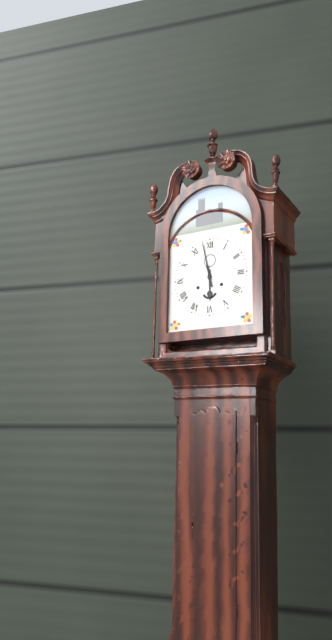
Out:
5.58
